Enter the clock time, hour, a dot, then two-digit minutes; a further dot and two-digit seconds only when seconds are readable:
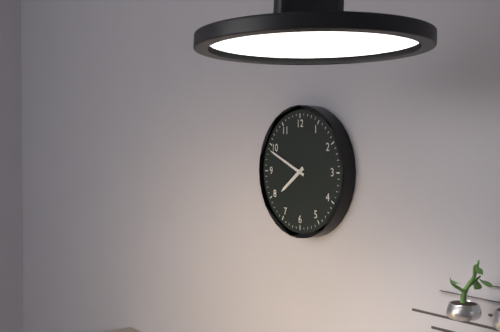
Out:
7.49
